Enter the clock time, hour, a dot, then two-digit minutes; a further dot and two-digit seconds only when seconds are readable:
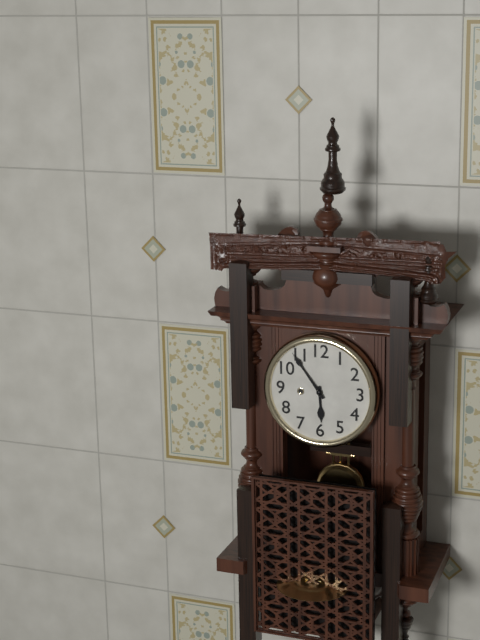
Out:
5.54
